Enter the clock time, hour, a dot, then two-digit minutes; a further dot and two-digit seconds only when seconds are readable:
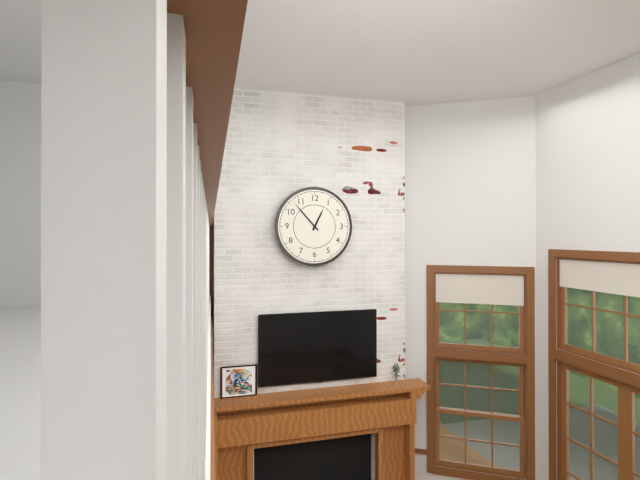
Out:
12.53
